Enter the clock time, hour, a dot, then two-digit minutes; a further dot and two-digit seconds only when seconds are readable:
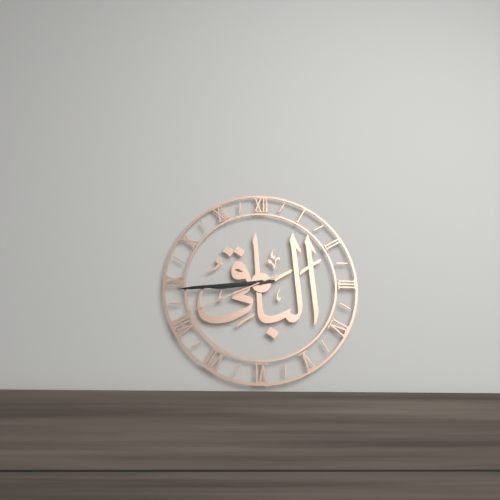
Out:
8.44.41
